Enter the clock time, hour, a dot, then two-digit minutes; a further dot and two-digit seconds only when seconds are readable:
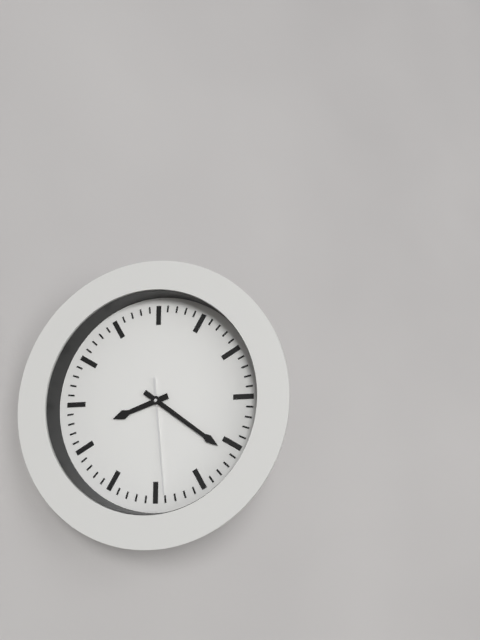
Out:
8.21.29
